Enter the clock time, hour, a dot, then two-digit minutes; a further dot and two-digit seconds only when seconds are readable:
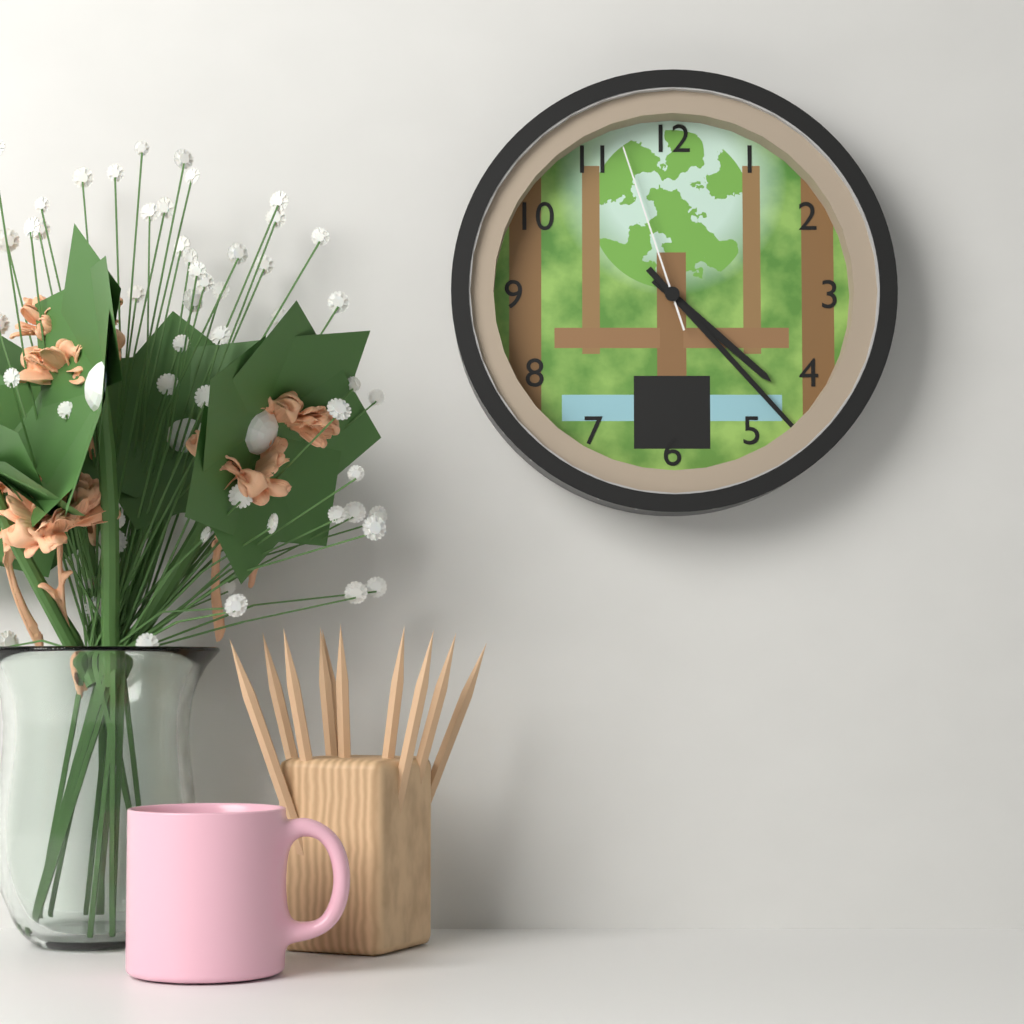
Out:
4.23.57
